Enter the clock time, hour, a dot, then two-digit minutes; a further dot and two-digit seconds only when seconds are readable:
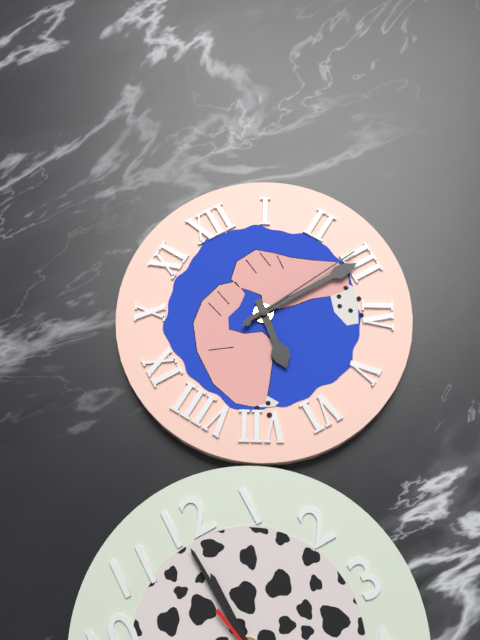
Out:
6.15.14
